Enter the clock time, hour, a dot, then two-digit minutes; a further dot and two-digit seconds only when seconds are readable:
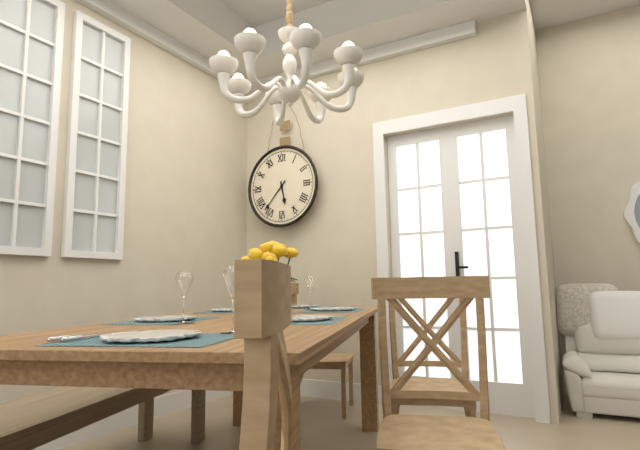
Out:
5.37
